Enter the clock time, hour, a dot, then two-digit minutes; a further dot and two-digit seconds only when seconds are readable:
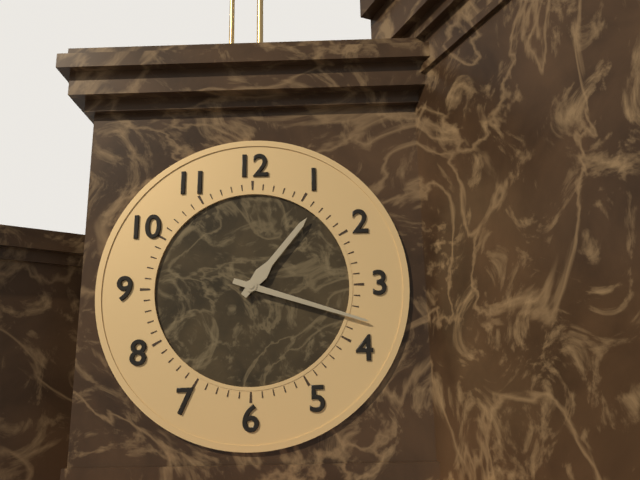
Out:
1.18
